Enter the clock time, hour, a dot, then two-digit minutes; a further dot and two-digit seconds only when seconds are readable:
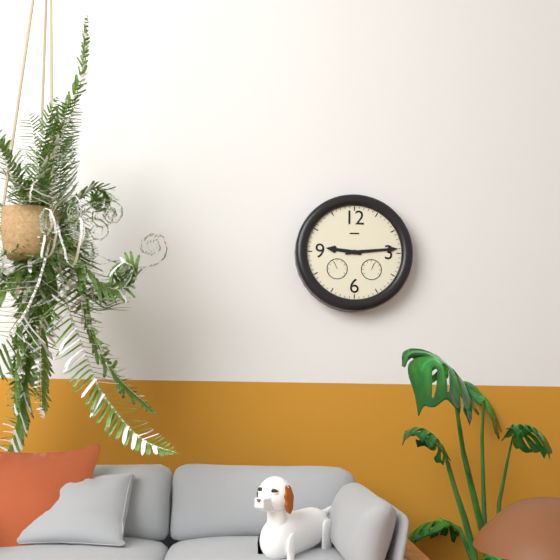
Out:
9.14
